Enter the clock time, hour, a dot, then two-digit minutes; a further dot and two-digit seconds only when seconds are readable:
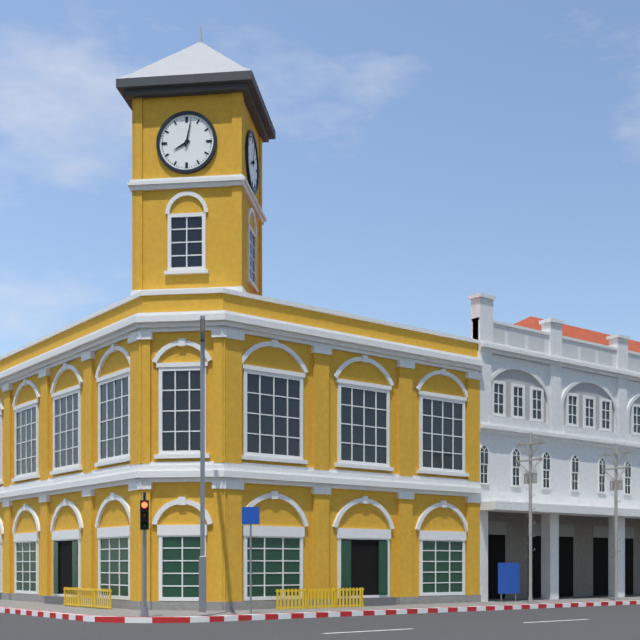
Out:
8.02
